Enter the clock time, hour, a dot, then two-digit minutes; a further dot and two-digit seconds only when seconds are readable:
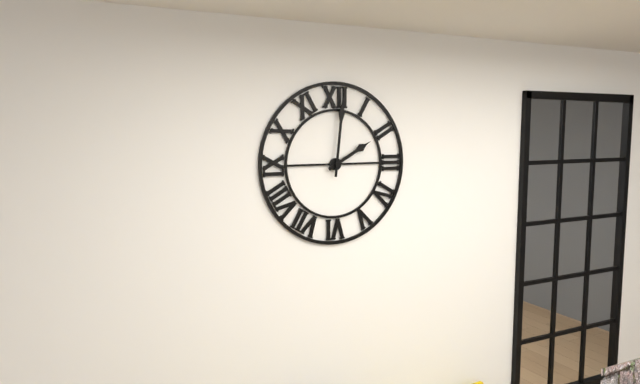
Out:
2.01
